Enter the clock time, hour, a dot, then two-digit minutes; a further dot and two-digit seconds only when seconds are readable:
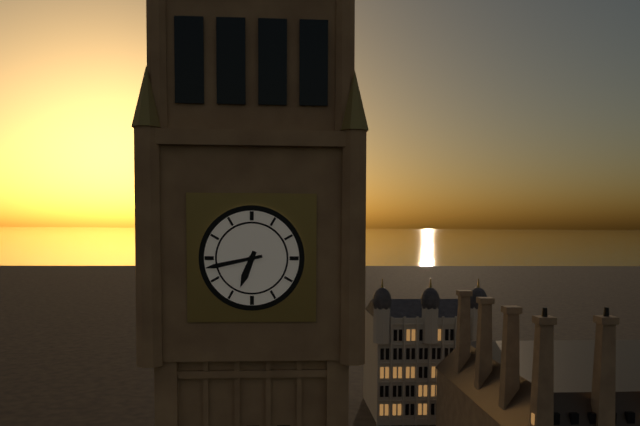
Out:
6.43
